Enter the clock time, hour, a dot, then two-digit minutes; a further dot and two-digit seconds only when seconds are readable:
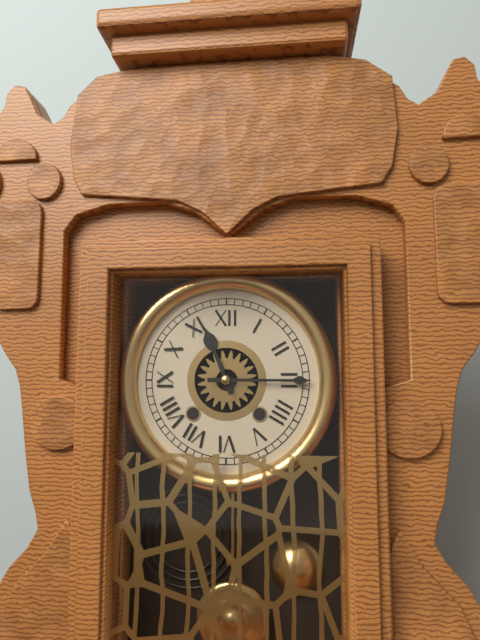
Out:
11.15
